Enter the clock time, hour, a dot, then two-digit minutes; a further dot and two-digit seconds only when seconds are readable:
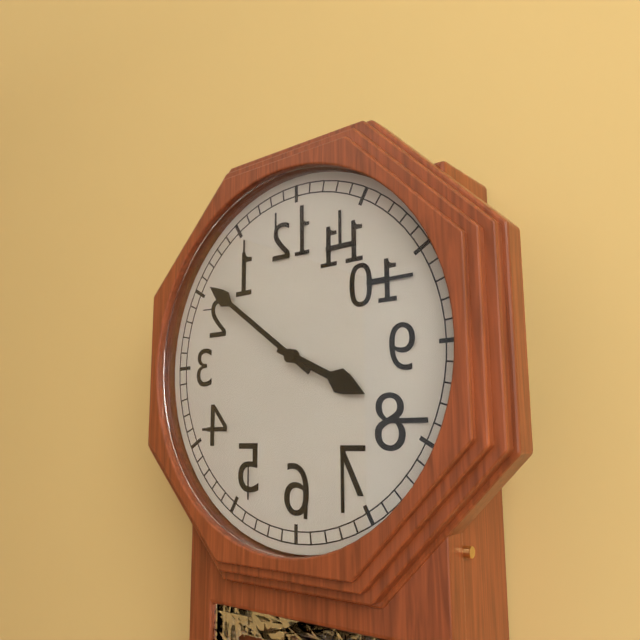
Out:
3.51
